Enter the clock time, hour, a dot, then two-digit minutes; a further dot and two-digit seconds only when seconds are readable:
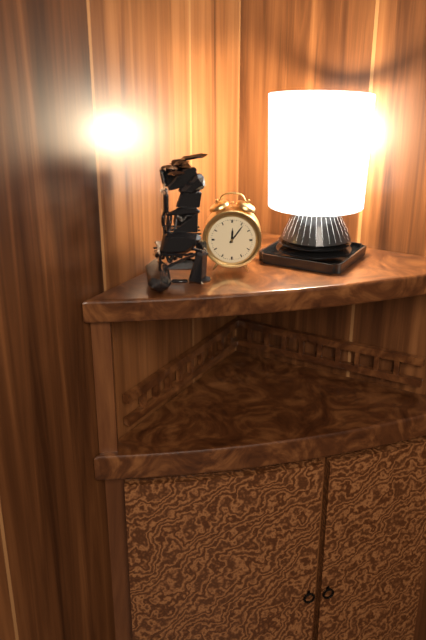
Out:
12.06
